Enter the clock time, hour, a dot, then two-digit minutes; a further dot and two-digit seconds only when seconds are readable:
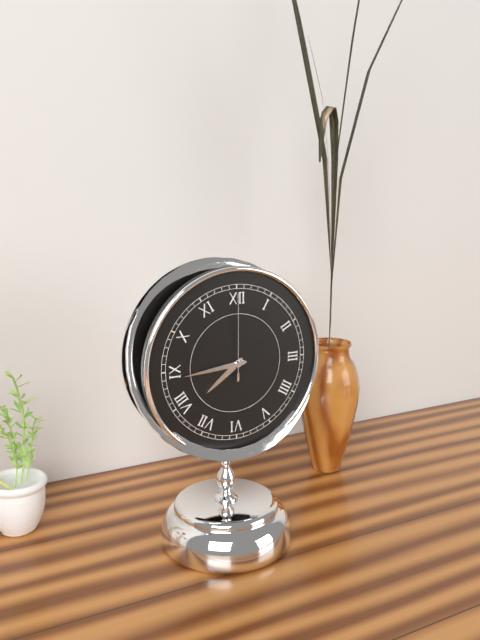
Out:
7.44.00
